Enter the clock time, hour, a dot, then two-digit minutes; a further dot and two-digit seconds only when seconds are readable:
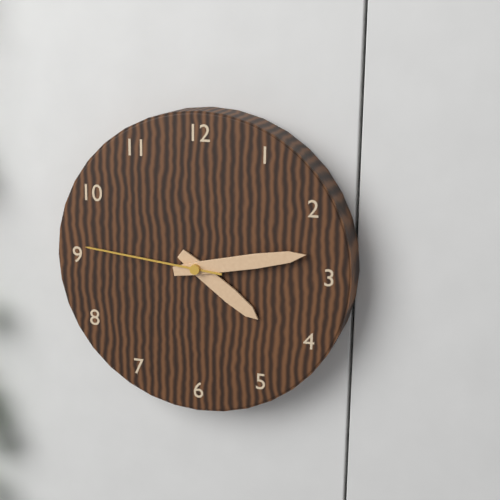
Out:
4.13.46
